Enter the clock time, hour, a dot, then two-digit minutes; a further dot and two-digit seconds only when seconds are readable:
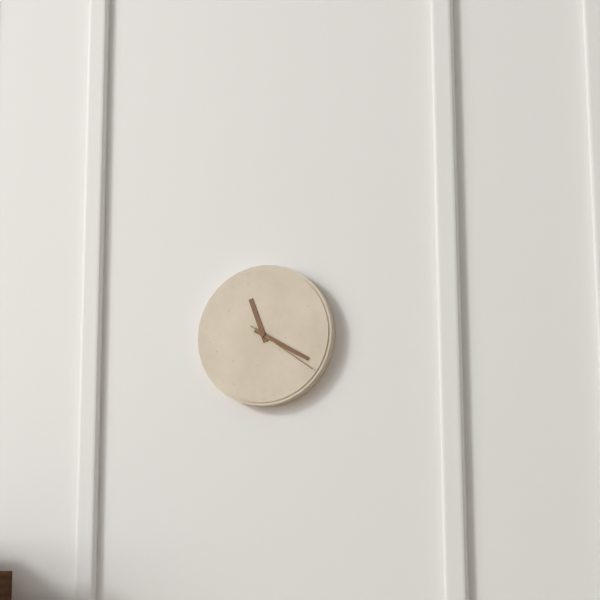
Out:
11.20.21
